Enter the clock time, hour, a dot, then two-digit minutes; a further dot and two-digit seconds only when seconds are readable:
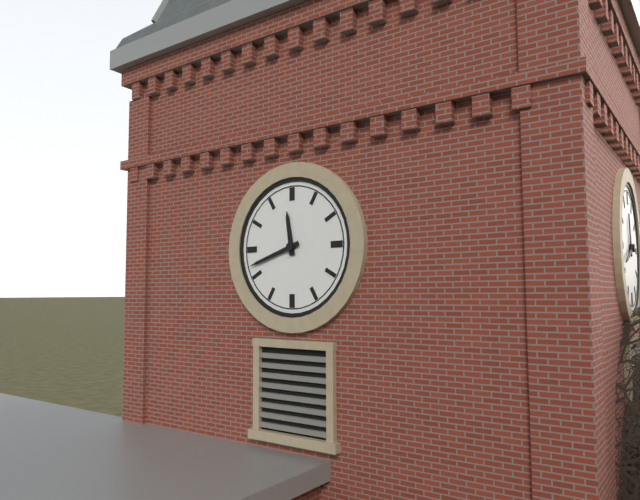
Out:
11.42
